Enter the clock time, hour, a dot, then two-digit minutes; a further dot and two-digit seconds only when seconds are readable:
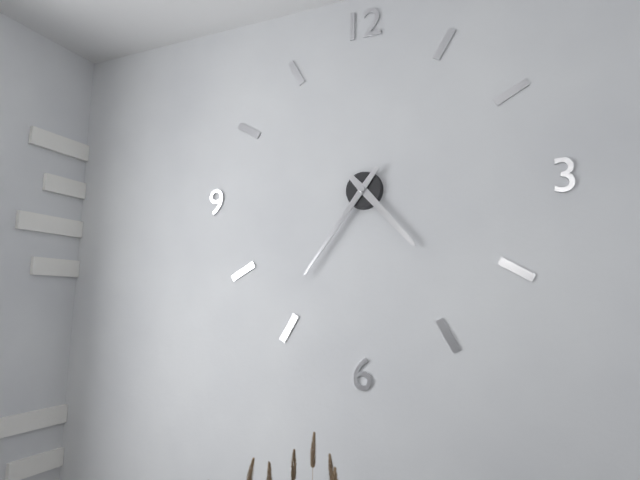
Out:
4.36
